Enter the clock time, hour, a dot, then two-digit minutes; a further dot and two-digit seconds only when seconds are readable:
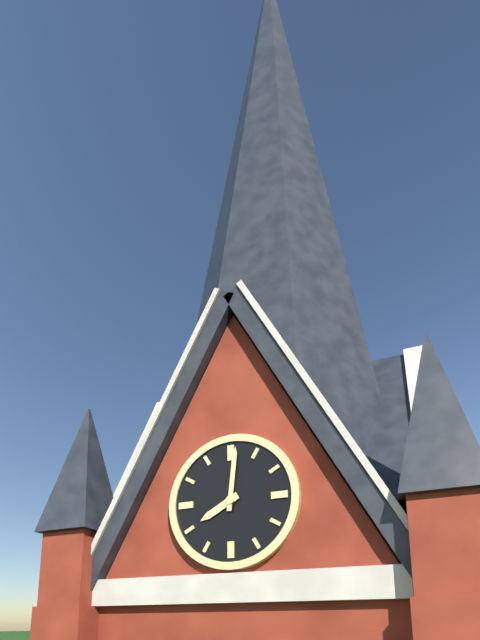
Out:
8.01
